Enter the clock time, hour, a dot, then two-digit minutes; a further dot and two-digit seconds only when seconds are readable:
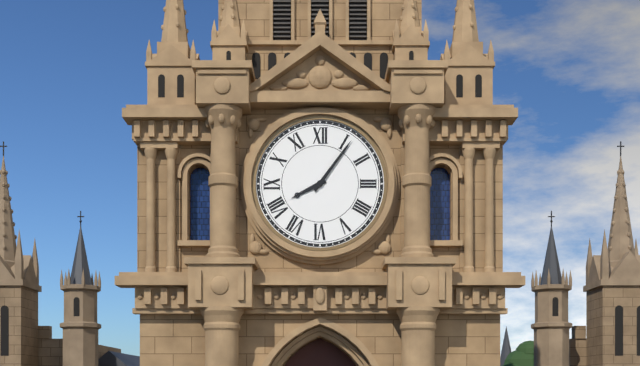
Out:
8.06
